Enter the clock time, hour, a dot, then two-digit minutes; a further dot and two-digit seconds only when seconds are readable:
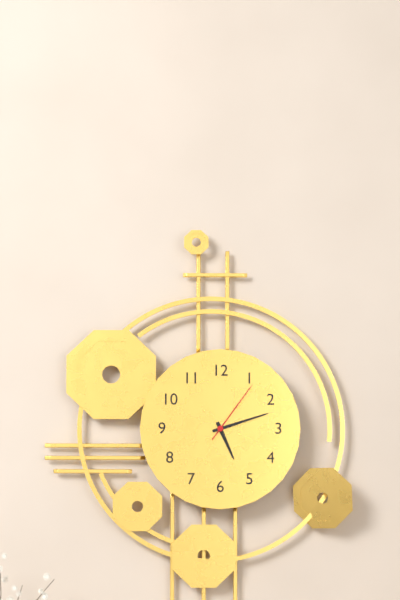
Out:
5.12.06
